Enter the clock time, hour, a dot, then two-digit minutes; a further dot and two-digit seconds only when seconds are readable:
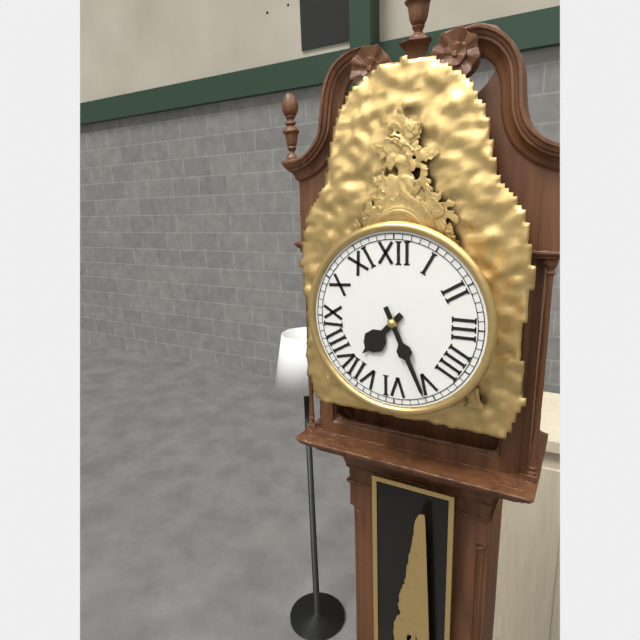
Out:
7.26
